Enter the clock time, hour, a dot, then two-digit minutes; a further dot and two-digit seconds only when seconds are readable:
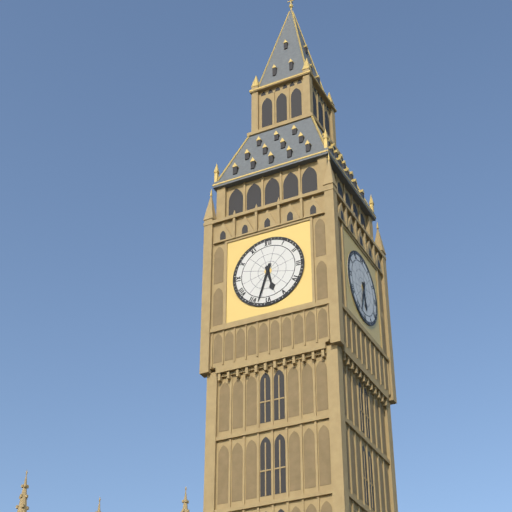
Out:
5.33
